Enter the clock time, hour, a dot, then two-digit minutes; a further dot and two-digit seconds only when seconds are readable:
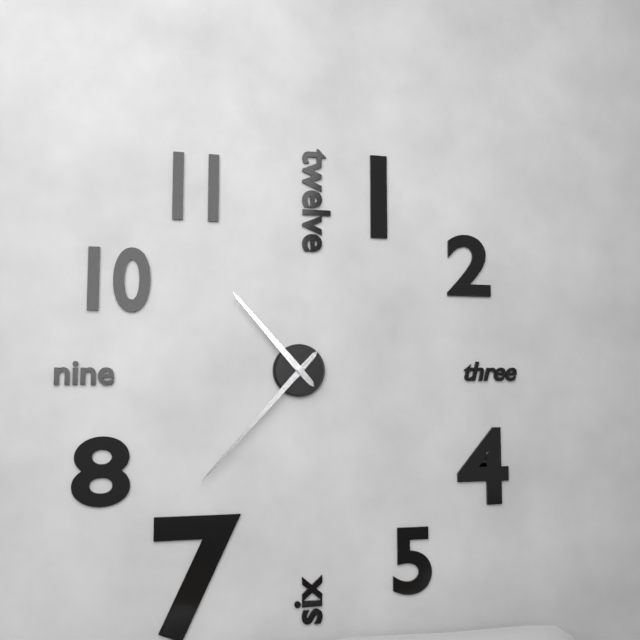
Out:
10.37
